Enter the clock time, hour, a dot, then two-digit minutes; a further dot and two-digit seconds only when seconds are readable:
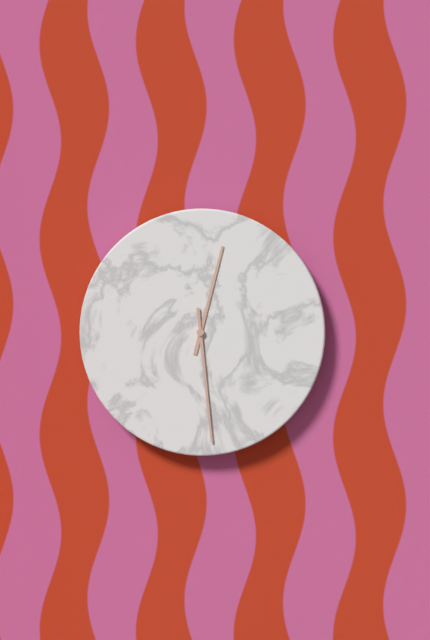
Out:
12.29
